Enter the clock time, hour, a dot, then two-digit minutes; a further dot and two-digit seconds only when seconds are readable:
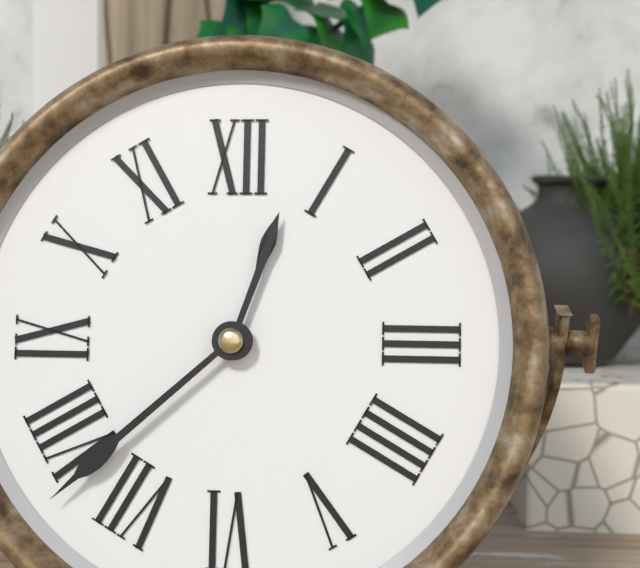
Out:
12.38
